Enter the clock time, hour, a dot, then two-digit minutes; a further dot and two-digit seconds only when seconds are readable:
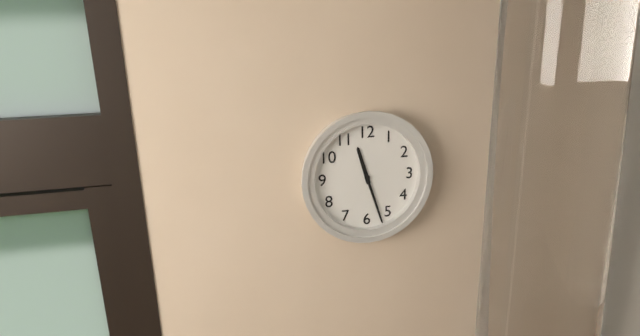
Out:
11.27
